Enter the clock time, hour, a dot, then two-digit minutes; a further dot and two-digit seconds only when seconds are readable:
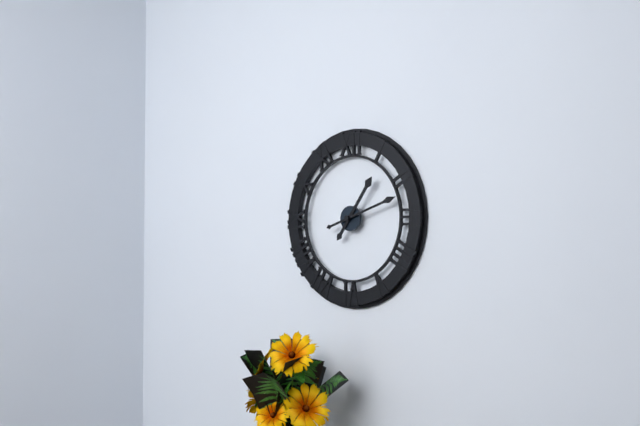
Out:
1.12
